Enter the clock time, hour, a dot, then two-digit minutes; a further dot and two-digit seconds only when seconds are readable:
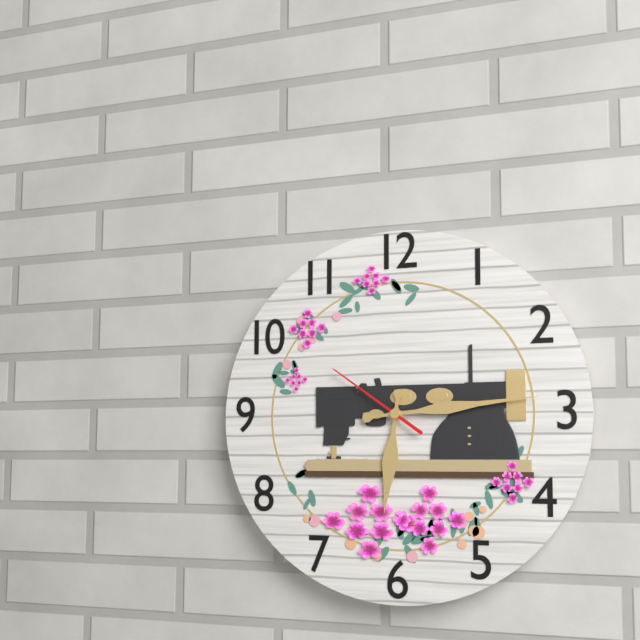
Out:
6.14.51
